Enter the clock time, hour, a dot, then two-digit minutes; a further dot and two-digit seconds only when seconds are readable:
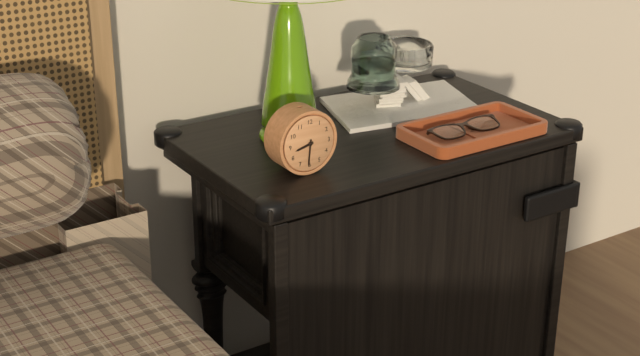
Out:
8.31
